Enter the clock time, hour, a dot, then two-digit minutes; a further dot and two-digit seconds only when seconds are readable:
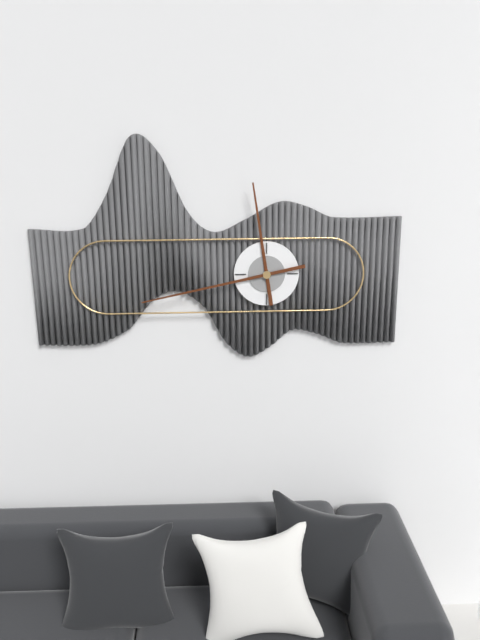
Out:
11.43
